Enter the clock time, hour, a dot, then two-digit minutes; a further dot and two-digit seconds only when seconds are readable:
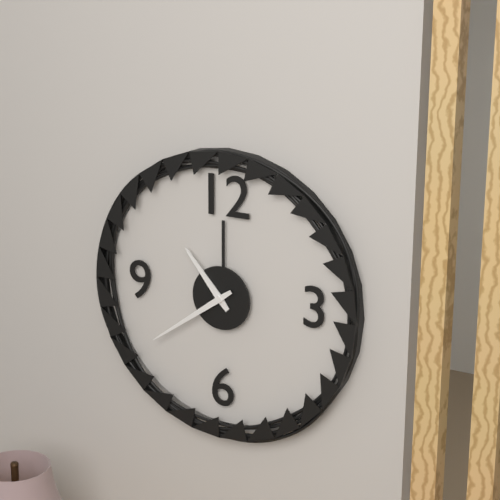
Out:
10.39
